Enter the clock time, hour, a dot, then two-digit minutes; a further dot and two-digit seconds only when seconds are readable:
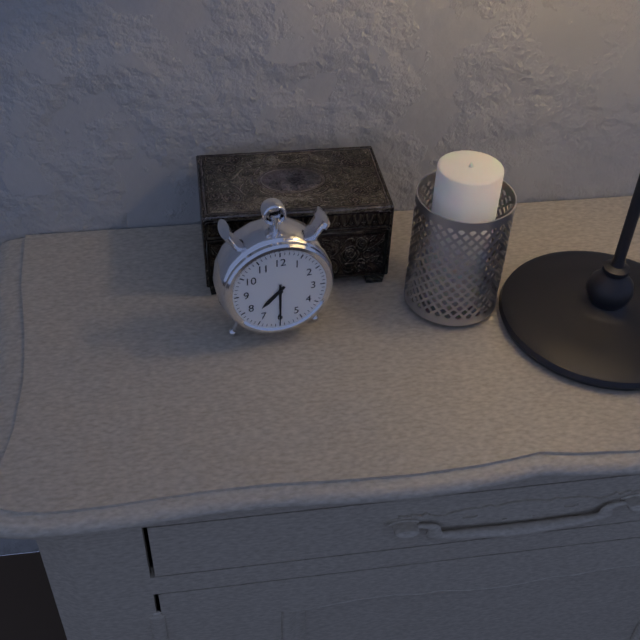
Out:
7.30
